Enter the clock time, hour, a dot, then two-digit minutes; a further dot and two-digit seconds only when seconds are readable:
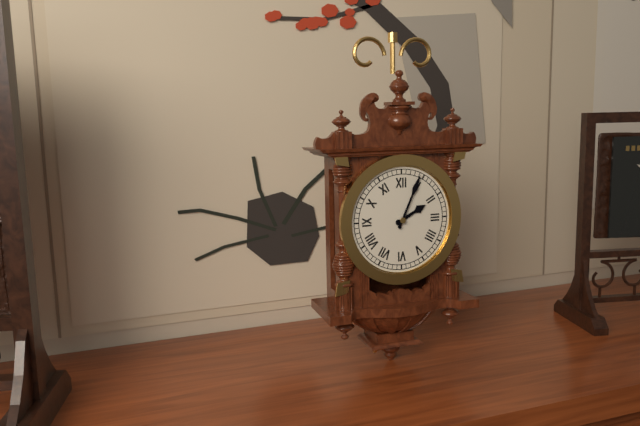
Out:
2.04
